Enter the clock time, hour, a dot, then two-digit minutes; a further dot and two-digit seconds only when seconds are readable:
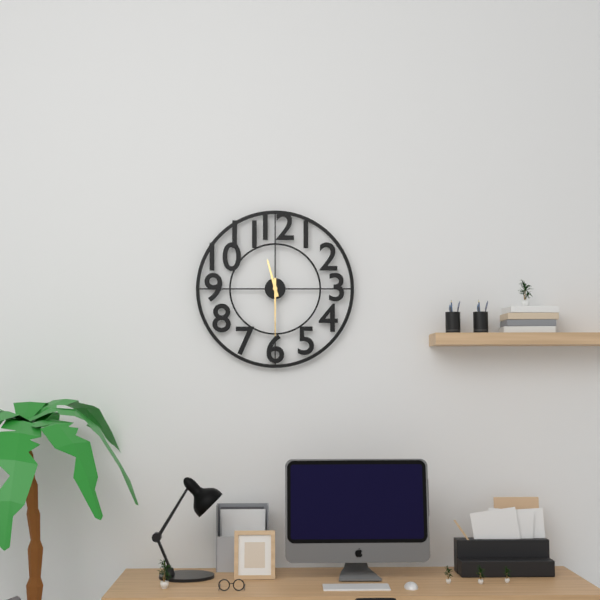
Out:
11.30
